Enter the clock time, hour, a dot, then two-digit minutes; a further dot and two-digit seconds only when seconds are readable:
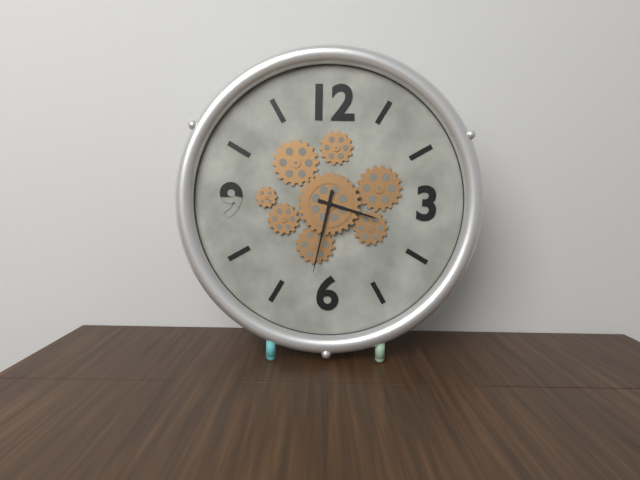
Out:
3.32
